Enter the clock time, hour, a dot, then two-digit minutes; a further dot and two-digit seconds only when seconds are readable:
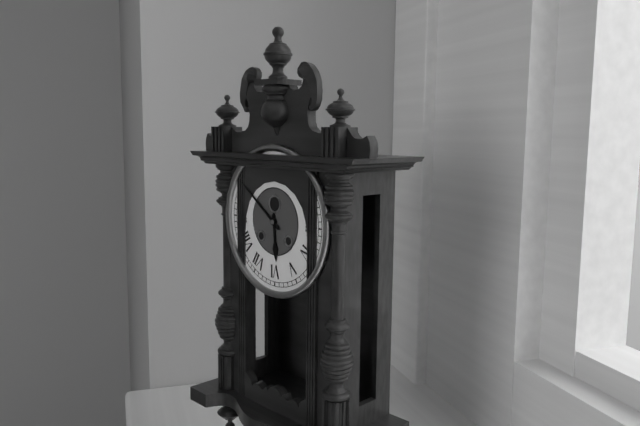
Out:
5.51
